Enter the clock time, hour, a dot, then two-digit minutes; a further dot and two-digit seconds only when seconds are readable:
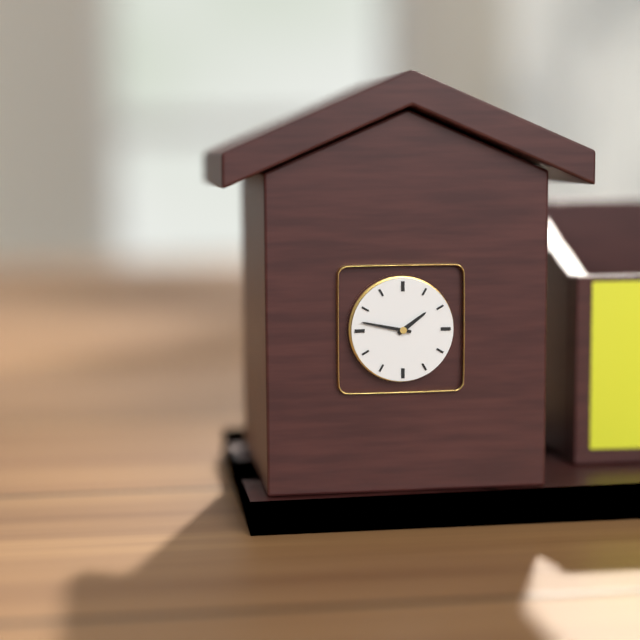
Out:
1.47
